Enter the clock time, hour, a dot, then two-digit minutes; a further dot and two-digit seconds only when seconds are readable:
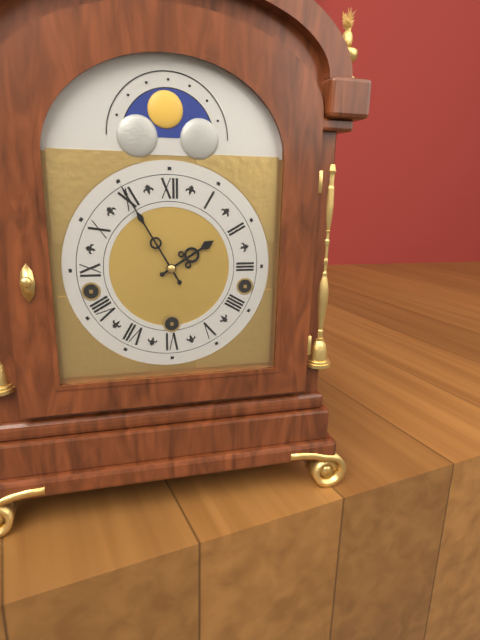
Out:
1.55
